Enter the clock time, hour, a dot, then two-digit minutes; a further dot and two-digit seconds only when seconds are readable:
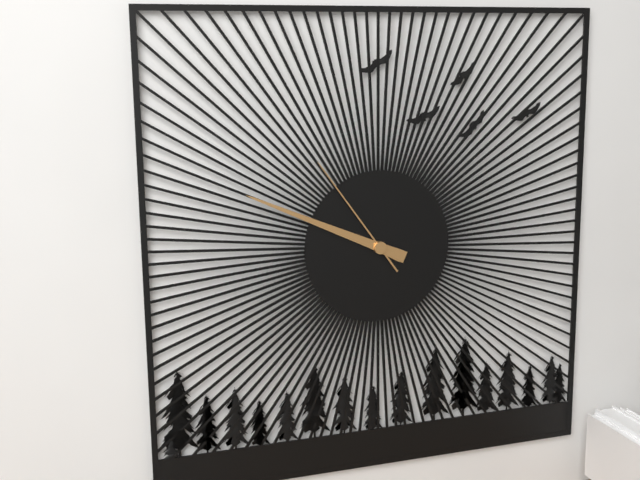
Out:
9.49.54
